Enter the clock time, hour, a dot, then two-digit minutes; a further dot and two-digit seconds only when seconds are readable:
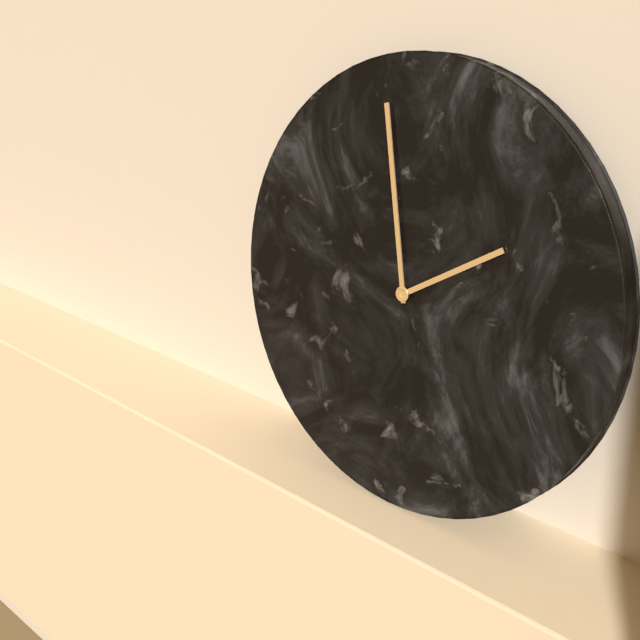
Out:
1.58
